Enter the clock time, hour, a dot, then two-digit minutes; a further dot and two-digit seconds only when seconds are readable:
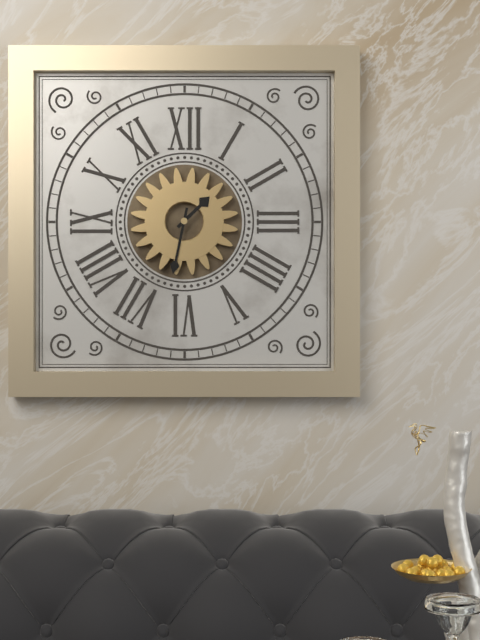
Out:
1.32
